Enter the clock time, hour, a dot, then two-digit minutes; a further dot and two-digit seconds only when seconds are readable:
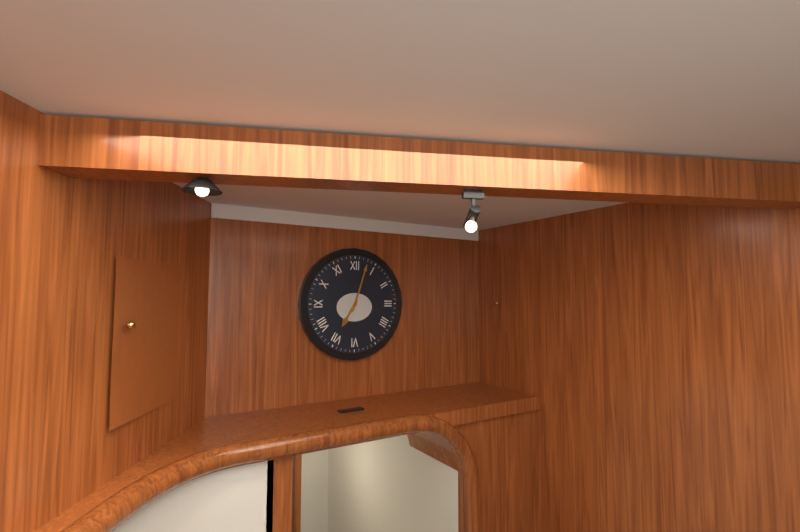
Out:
7.03
